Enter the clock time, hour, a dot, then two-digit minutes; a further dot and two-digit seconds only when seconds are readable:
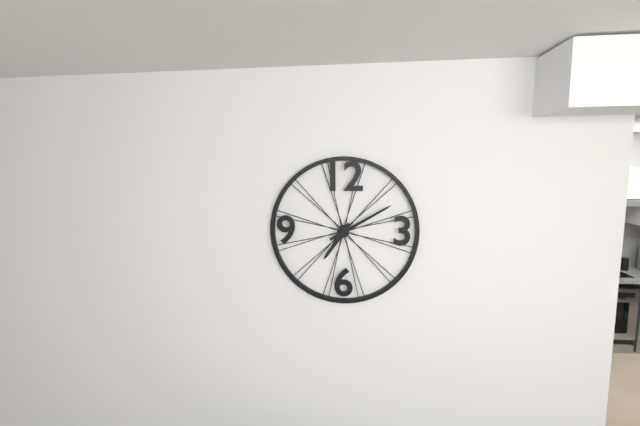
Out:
7.10
